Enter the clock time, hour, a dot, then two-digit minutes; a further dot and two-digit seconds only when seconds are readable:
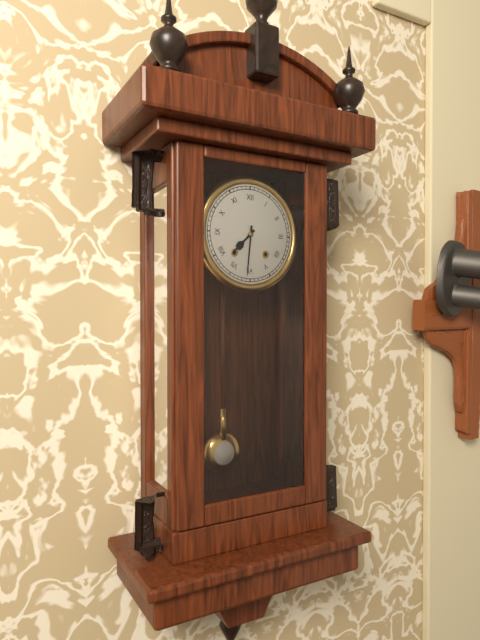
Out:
7.31
